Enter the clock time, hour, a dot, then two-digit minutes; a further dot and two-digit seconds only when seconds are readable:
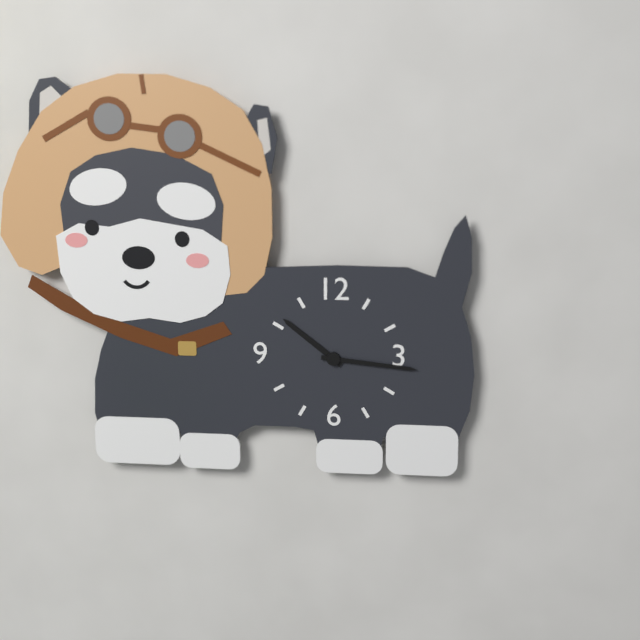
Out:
10.16
